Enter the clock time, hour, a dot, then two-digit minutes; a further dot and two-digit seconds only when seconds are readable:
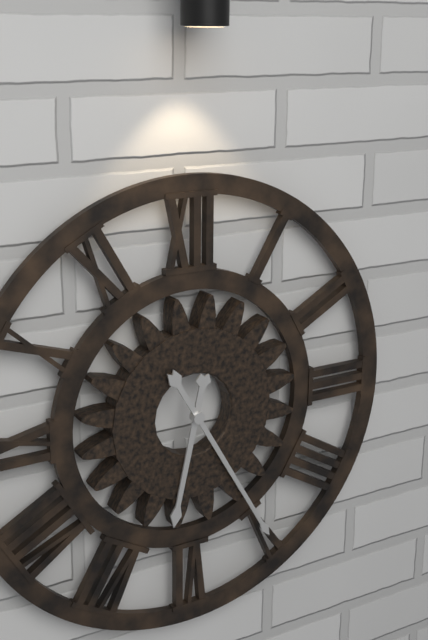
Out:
6.25
